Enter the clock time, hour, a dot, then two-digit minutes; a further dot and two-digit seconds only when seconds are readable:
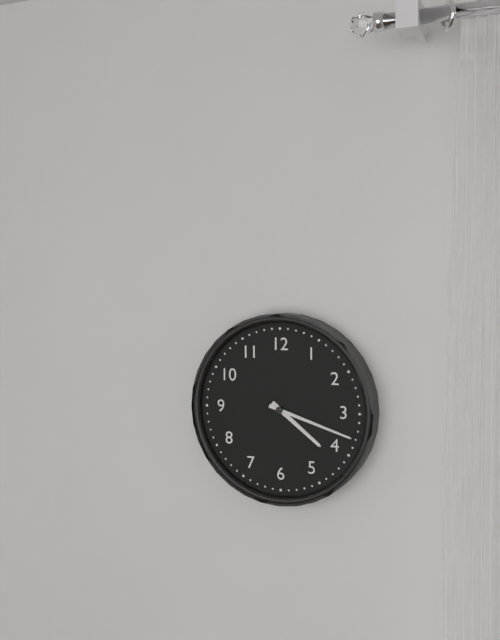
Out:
4.18
